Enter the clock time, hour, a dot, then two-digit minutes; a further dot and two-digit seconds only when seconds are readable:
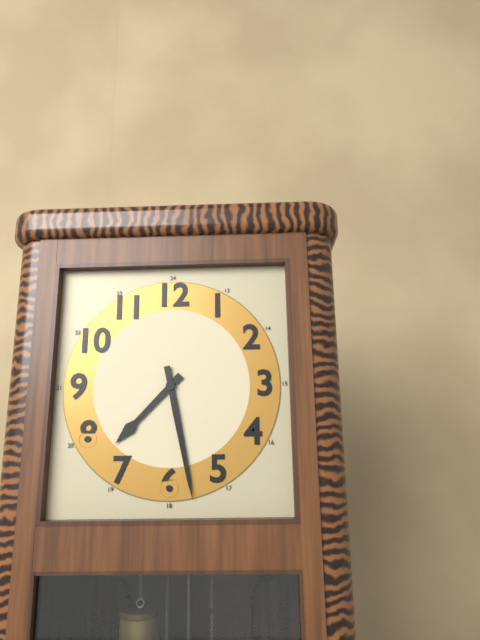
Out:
7.28
